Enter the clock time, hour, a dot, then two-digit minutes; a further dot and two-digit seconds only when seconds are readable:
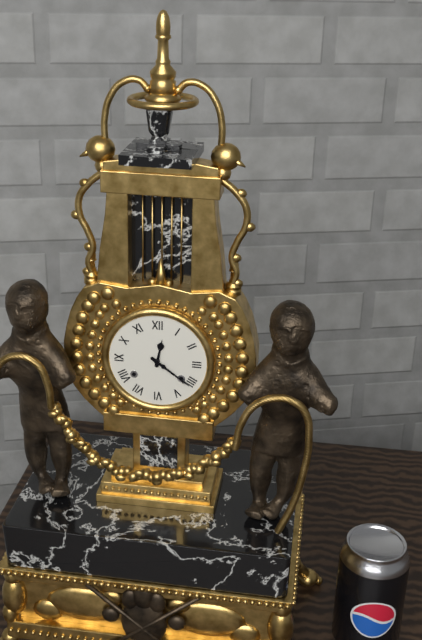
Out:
12.21
